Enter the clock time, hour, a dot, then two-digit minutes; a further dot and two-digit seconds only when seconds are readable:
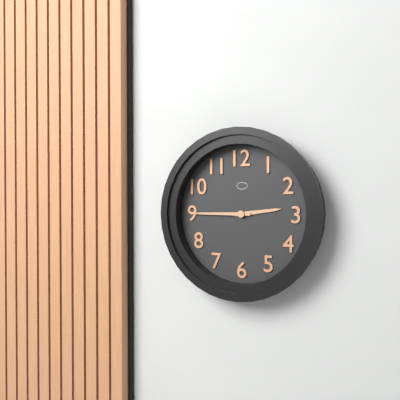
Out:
2.45
